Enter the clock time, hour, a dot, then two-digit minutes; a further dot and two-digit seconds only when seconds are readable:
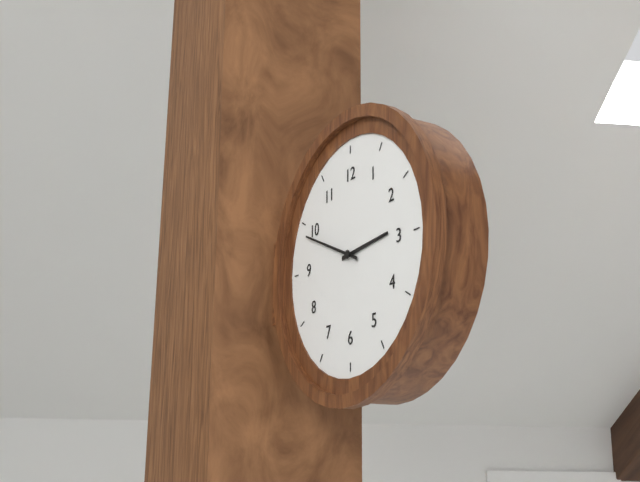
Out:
2.49
